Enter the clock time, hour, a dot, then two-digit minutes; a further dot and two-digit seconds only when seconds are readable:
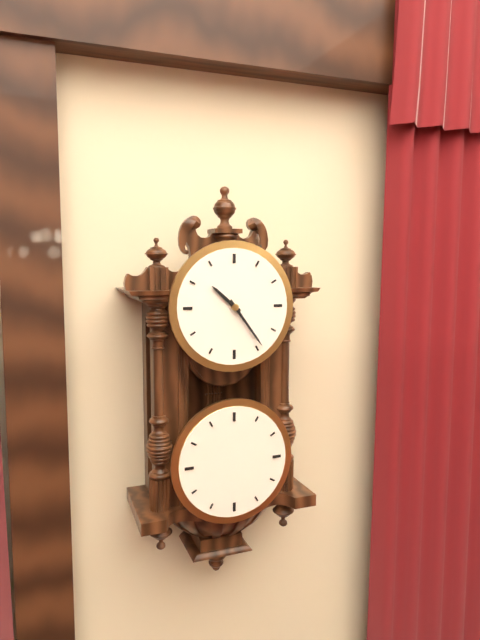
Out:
10.24
